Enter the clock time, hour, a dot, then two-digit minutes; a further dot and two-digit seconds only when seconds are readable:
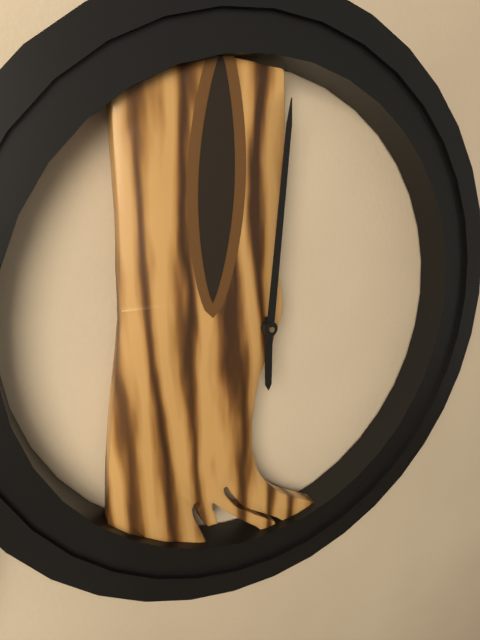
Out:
6.01
